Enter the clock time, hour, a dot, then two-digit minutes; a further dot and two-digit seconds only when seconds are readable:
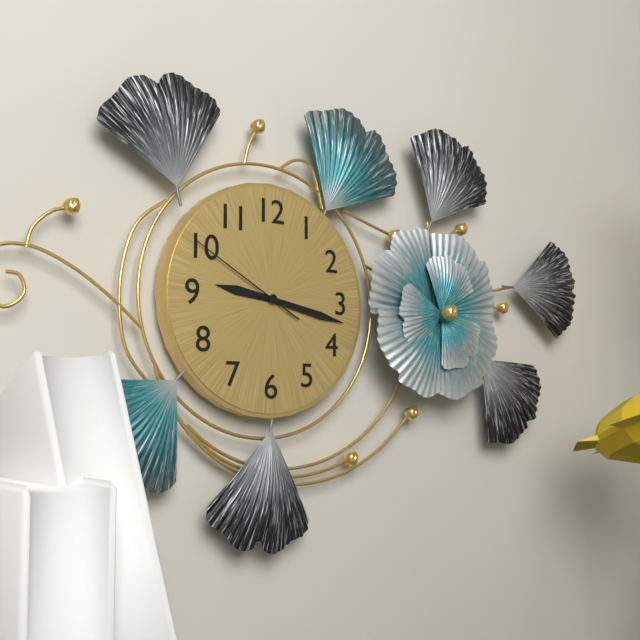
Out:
9.17.50
